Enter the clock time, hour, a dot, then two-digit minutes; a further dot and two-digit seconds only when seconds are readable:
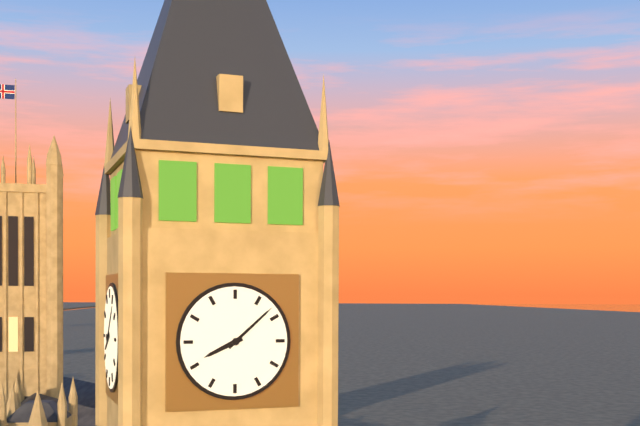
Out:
8.08
